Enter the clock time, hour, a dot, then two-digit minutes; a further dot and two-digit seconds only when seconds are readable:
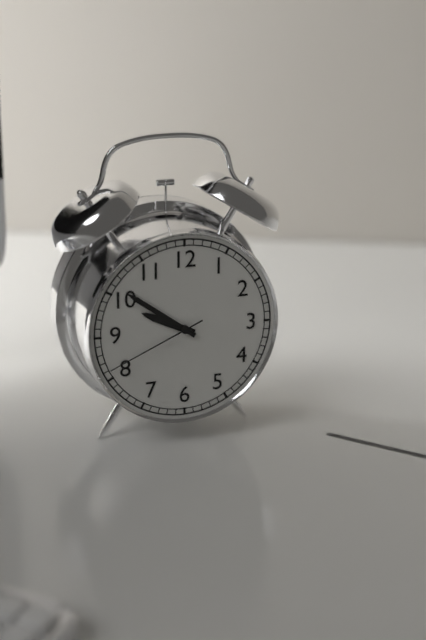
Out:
9.51.41
